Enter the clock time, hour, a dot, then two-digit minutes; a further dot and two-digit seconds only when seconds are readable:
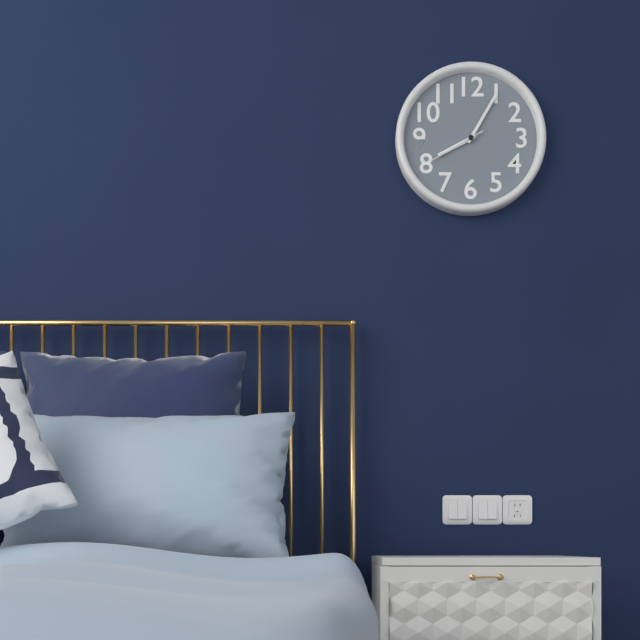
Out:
8.05.40
